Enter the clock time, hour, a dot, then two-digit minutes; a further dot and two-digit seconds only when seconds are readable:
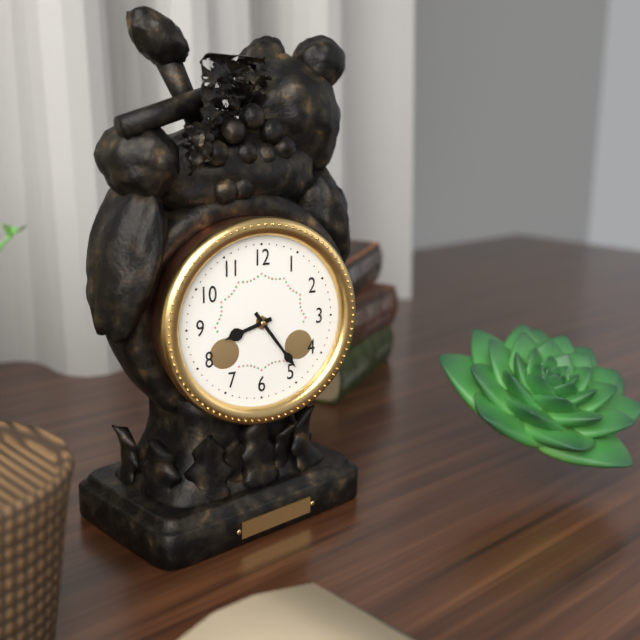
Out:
8.24
